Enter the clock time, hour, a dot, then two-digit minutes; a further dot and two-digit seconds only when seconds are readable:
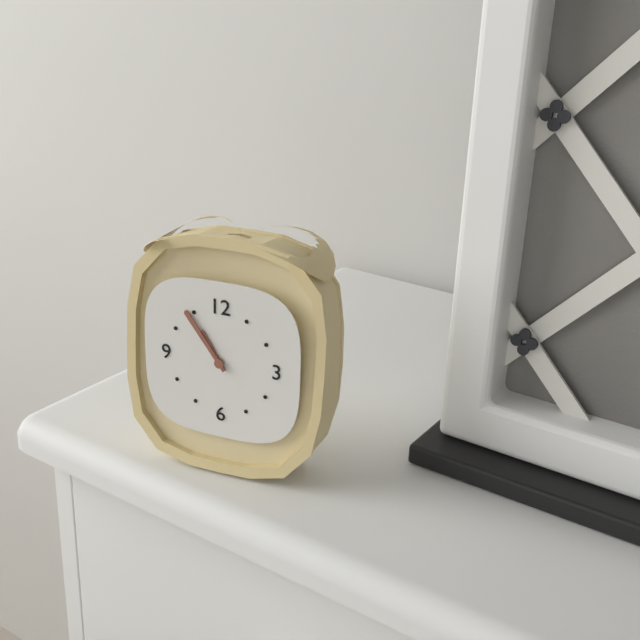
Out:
10.54
